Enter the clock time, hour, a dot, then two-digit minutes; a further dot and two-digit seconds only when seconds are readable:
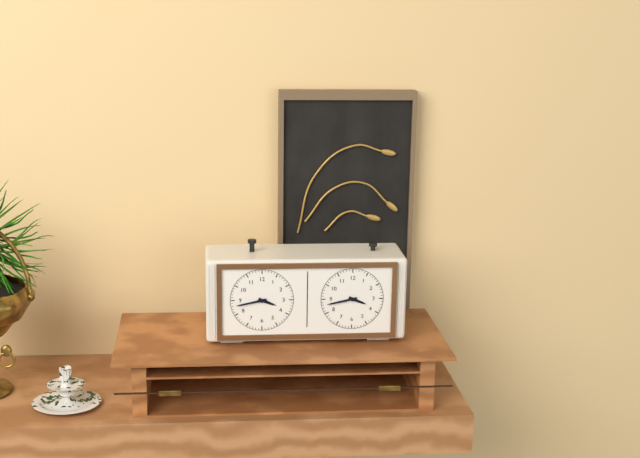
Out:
3.43
